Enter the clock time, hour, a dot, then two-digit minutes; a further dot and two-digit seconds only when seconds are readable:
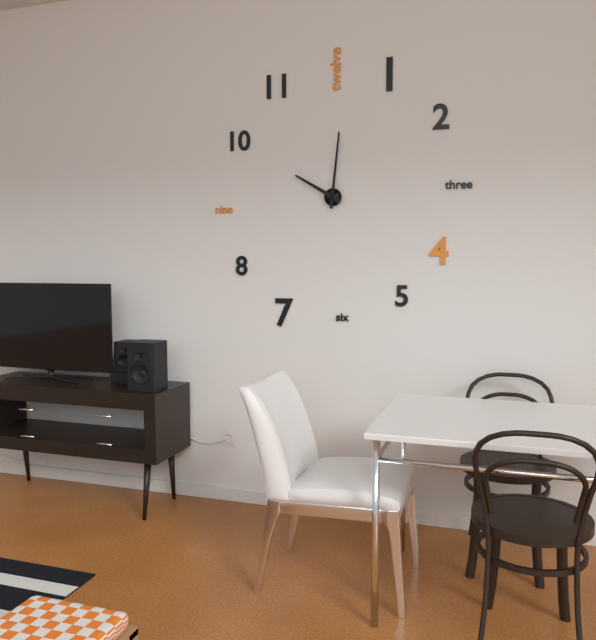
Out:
10.01
